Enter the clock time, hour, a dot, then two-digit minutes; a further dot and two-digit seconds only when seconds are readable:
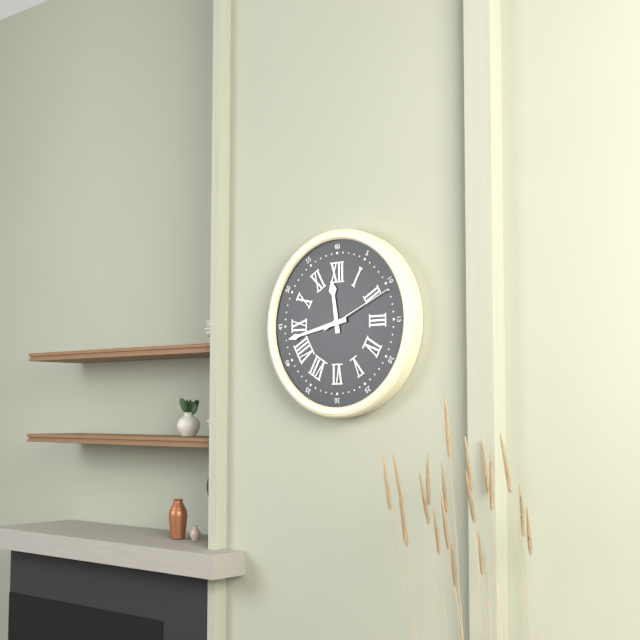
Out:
11.43.11
